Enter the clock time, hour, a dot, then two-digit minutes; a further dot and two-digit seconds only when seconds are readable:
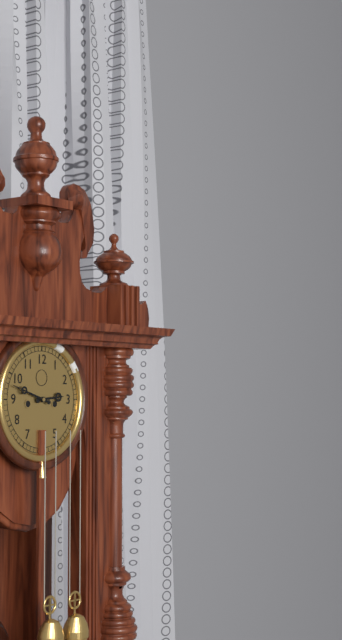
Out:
2.48
